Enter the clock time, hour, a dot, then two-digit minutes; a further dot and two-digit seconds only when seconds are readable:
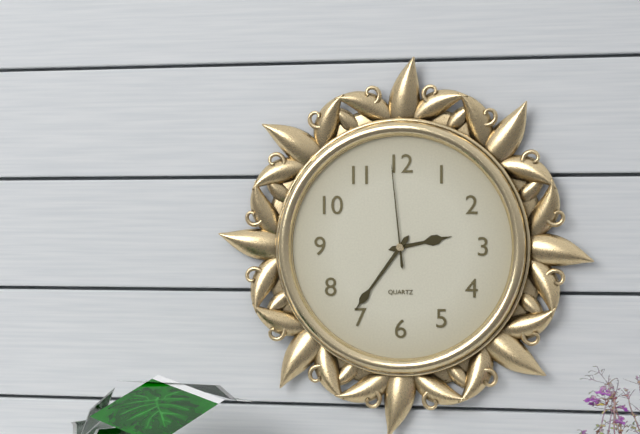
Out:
2.36.59
